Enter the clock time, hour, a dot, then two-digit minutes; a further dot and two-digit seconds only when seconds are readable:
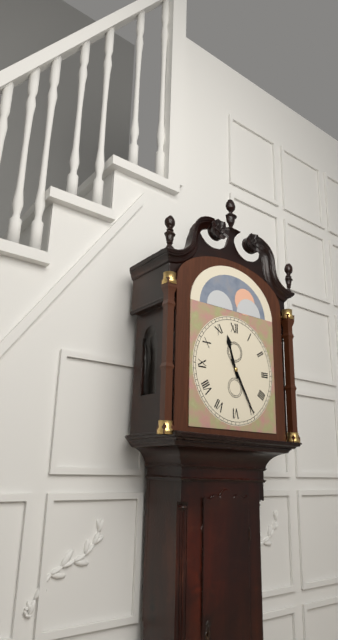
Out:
11.25
